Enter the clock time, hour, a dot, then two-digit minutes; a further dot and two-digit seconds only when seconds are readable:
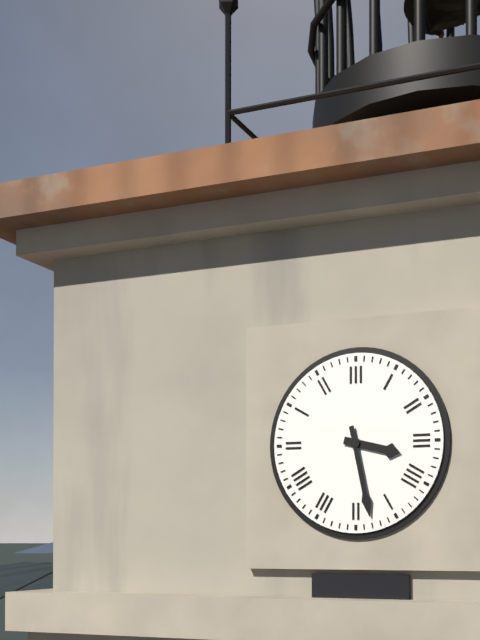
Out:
3.28
